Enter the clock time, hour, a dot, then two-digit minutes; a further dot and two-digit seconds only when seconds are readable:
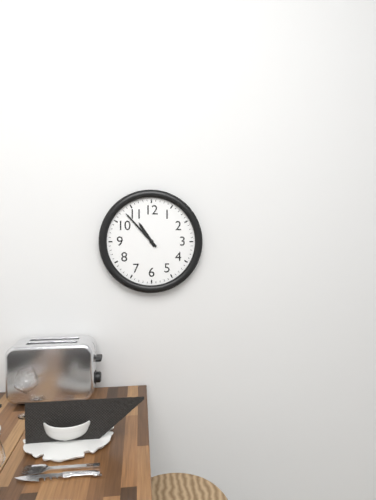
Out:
10.53
